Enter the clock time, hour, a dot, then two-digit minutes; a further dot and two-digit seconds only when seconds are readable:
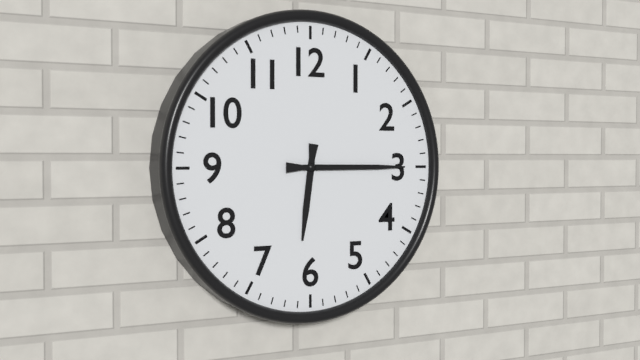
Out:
6.15
